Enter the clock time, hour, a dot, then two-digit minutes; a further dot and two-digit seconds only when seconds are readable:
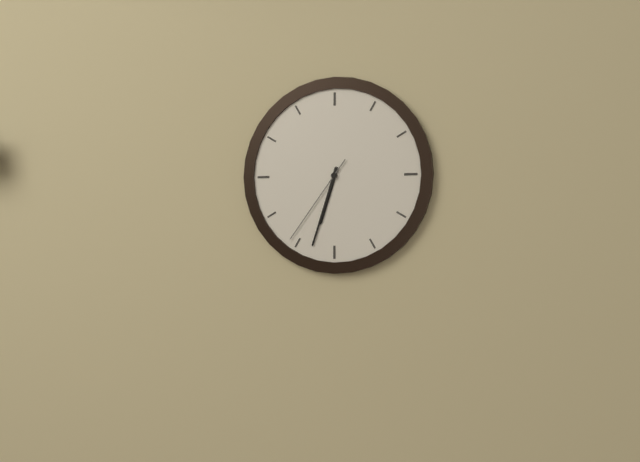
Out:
6.33.36
